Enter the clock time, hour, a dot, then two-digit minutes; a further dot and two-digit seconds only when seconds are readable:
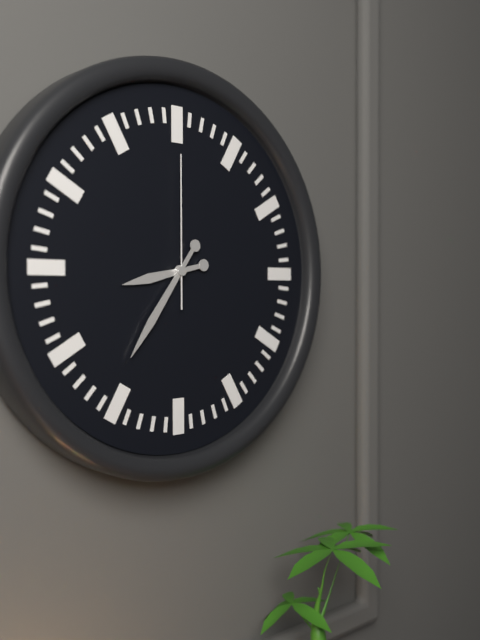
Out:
8.36.00
